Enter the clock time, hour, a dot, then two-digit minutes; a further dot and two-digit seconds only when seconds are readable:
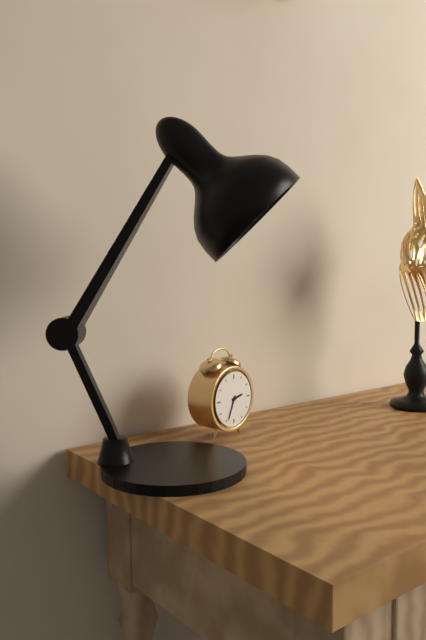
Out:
2.34
